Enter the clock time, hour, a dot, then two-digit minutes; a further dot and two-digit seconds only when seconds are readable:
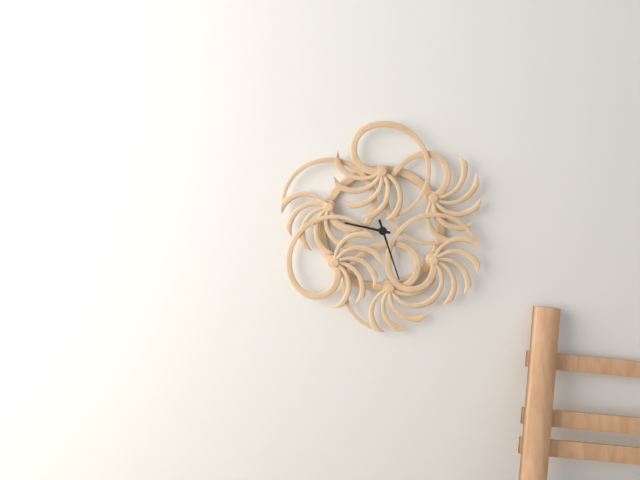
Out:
9.27
